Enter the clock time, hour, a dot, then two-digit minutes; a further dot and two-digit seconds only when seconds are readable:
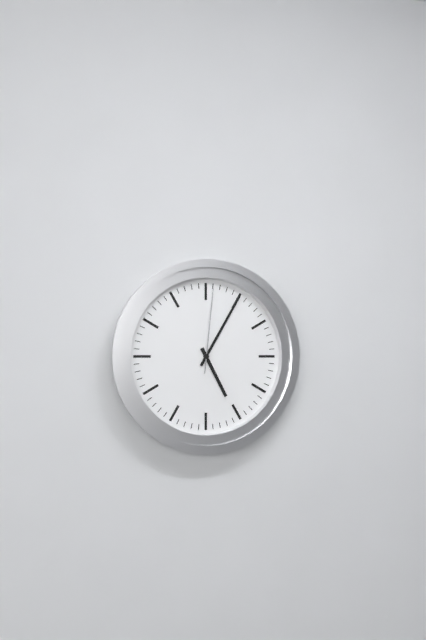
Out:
5.05.01
